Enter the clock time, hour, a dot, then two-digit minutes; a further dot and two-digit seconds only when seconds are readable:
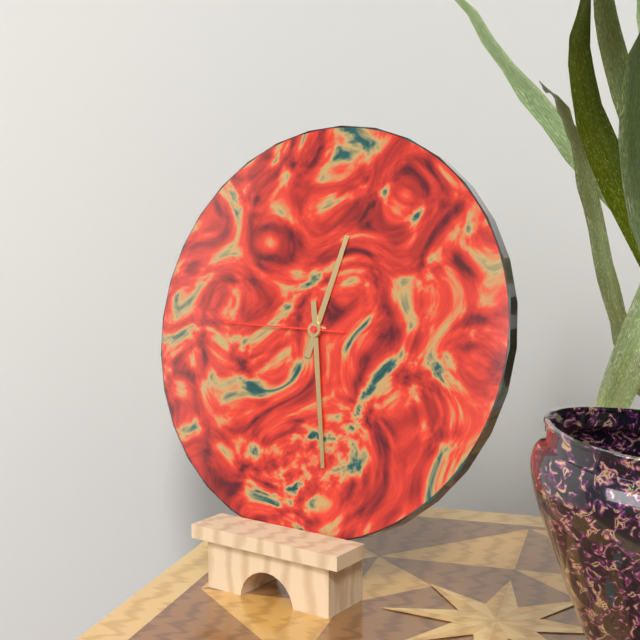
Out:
12.28.45
